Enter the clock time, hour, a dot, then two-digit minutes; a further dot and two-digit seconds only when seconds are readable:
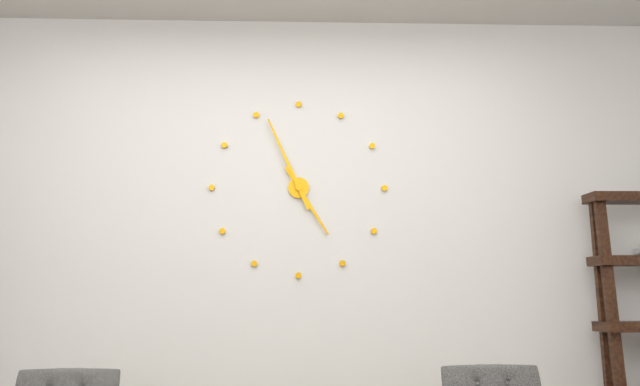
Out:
4.56
